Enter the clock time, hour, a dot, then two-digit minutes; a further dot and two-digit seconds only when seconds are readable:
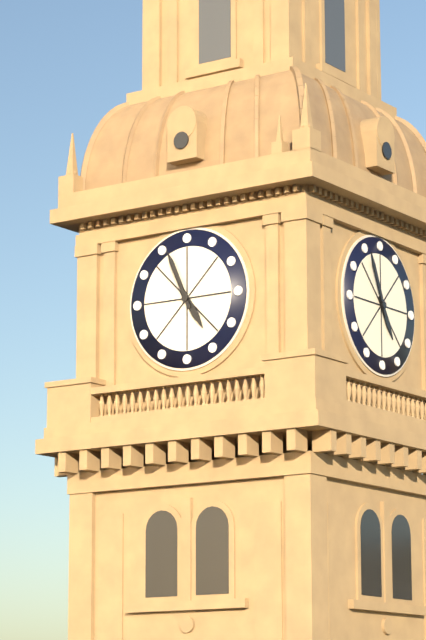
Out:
4.56
